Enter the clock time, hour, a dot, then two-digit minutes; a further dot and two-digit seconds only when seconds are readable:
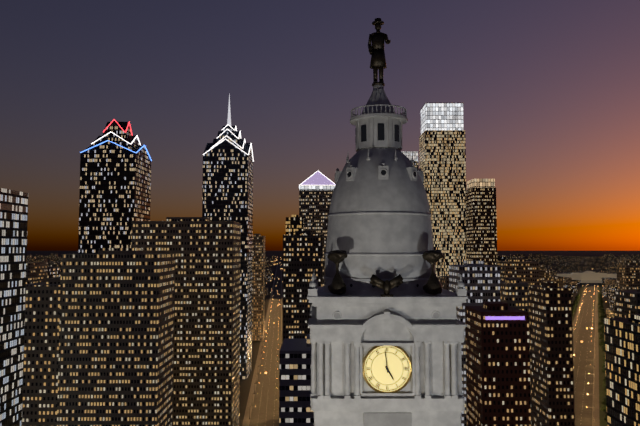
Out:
4.59
